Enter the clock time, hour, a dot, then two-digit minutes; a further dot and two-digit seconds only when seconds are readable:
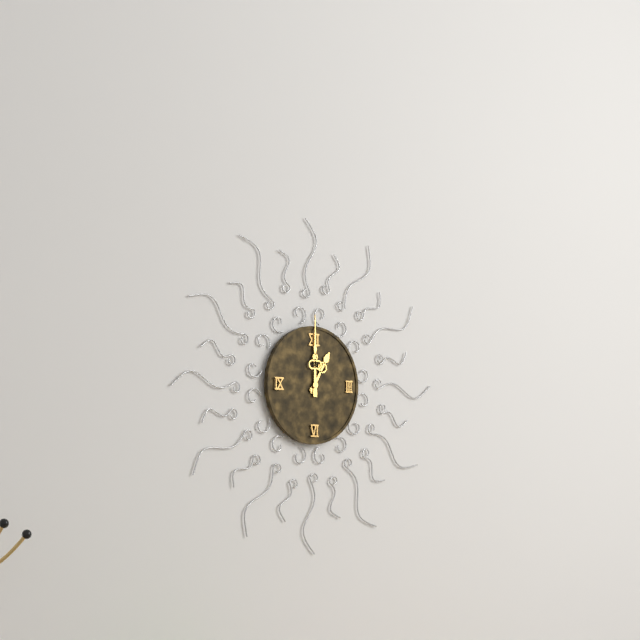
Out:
1.00
